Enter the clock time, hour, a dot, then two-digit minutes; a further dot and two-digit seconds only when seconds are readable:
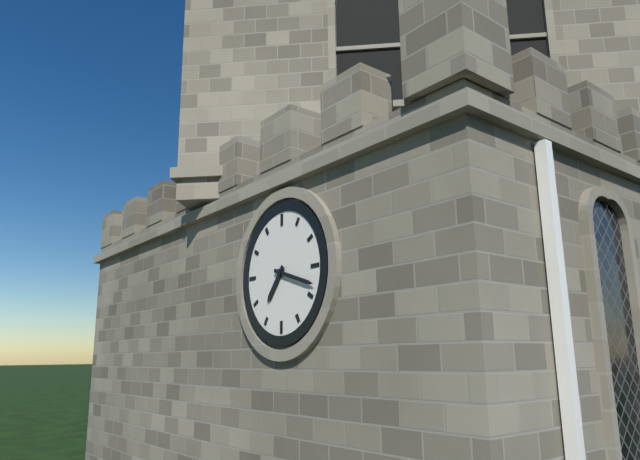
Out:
7.18
